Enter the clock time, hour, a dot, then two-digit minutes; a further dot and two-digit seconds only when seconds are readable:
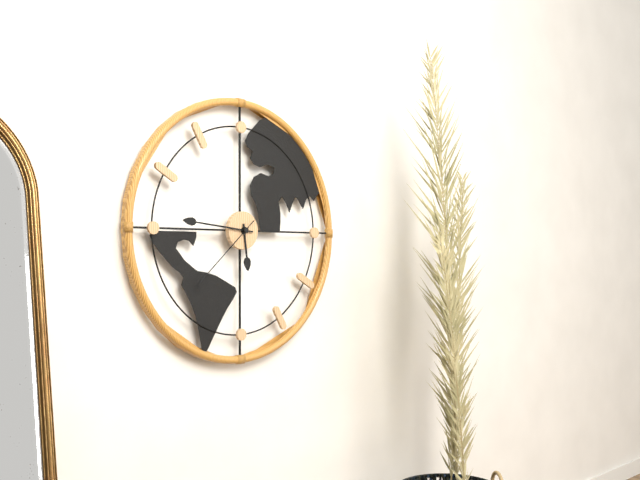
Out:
5.46.38
